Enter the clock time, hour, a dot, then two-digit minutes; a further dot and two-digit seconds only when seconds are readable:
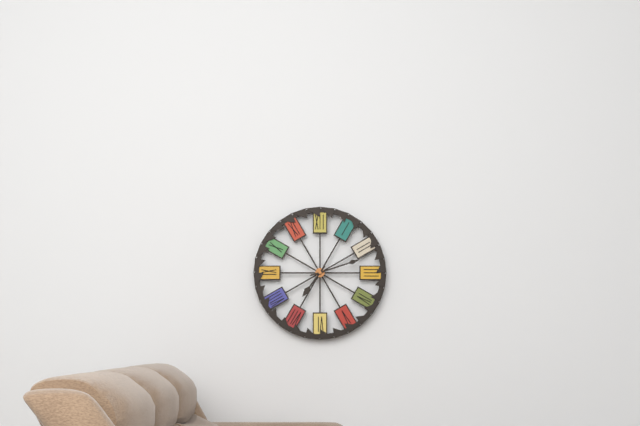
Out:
7.12
